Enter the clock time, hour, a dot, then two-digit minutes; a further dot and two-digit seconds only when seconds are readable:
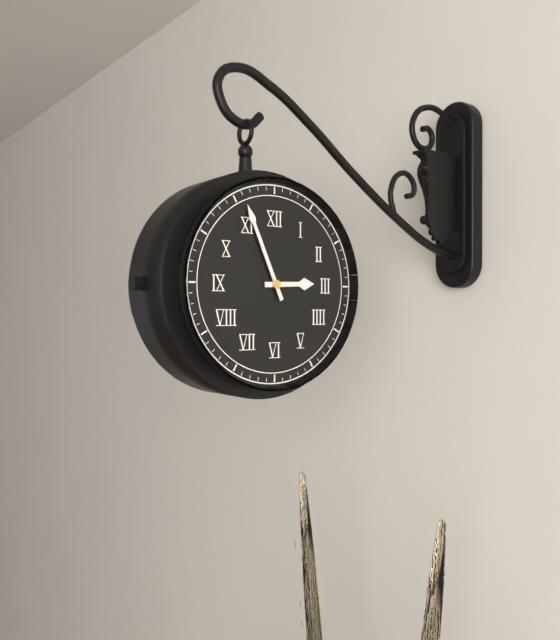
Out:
2.56
